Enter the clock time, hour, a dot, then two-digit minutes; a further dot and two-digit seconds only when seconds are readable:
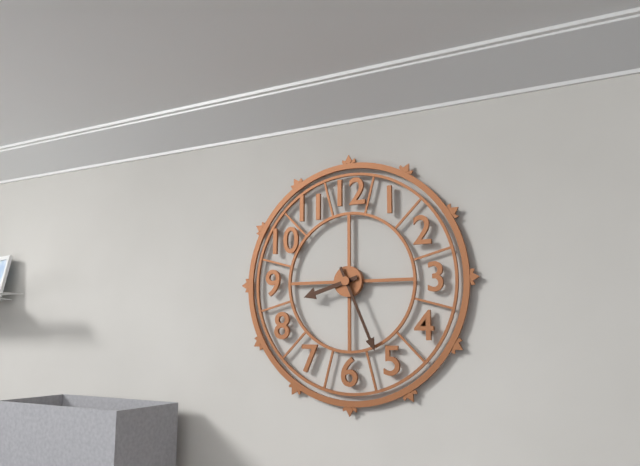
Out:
8.26
